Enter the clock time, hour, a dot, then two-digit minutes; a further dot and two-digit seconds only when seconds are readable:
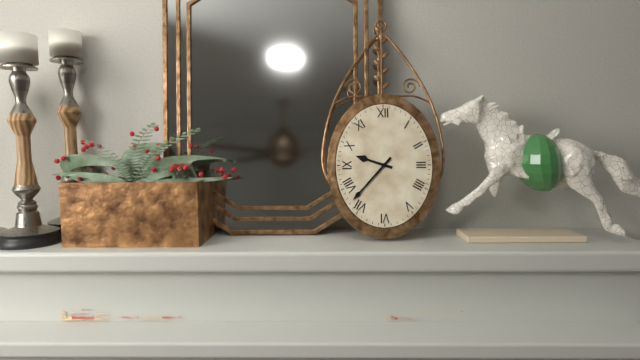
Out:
9.37
